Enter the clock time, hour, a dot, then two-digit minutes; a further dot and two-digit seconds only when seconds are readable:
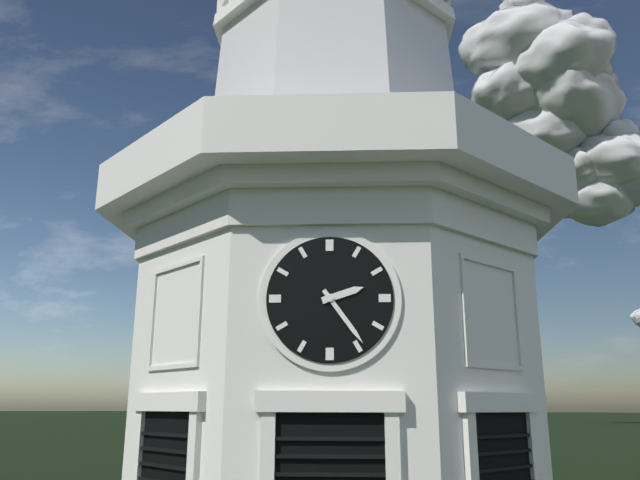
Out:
2.24
